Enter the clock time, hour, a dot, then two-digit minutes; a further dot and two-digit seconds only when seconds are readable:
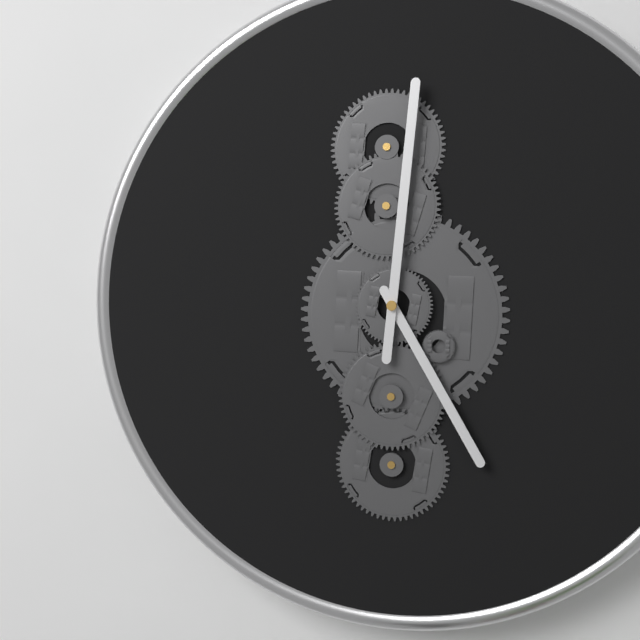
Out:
5.01
